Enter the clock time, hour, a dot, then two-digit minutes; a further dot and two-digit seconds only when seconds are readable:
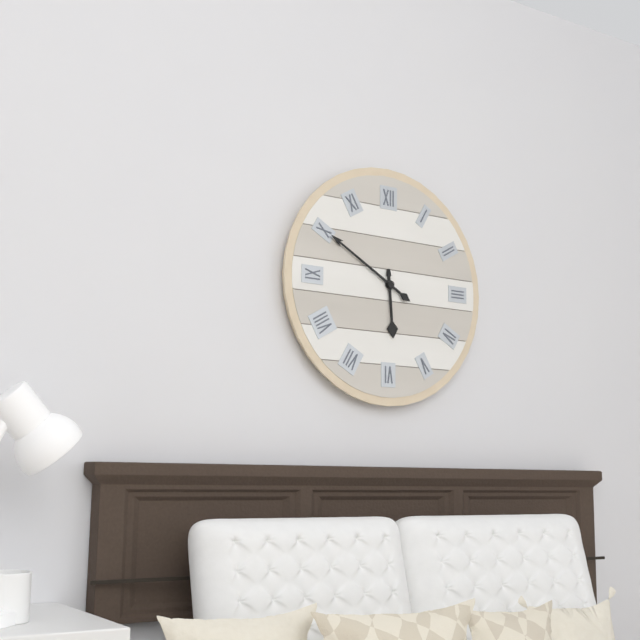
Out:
5.50
